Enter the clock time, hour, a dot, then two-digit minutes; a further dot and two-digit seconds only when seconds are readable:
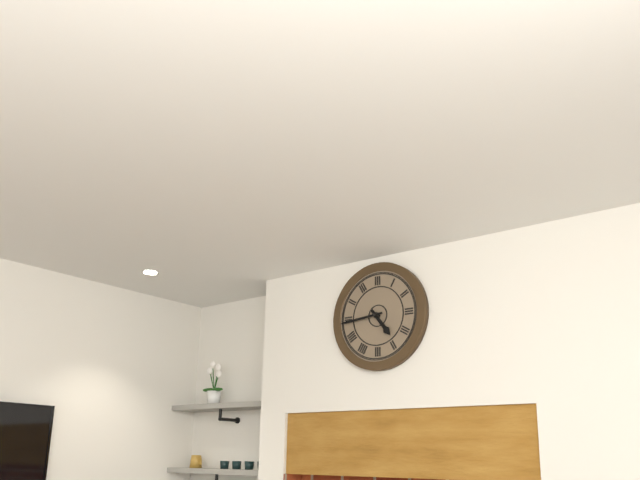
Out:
4.44
